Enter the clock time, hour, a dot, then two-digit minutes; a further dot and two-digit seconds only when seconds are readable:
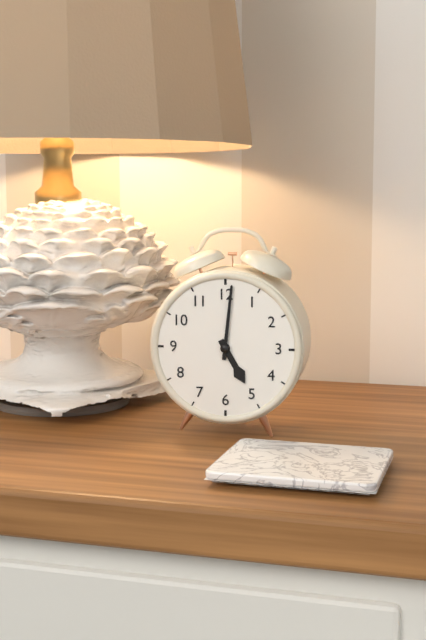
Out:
5.01
